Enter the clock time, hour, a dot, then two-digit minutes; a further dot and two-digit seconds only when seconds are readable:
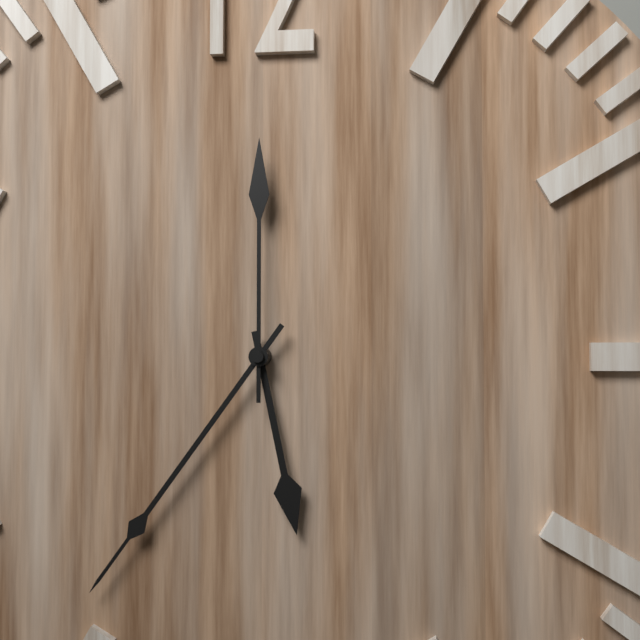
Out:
5.36.00
